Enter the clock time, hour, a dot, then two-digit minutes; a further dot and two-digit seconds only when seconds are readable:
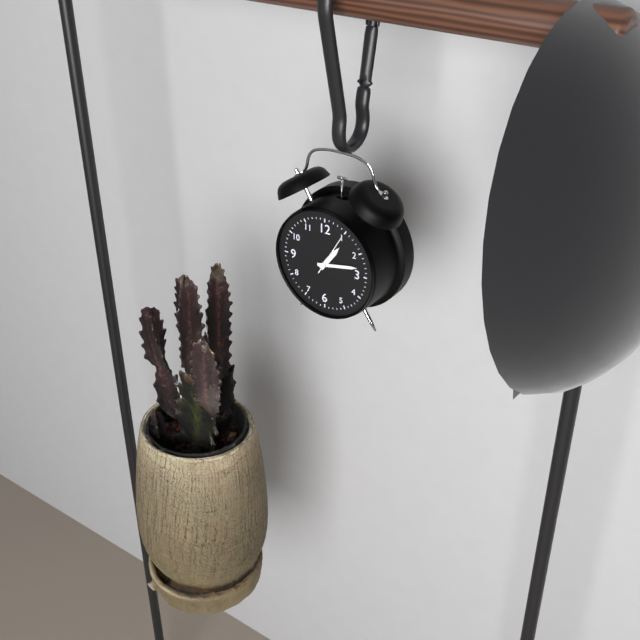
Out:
1.13
